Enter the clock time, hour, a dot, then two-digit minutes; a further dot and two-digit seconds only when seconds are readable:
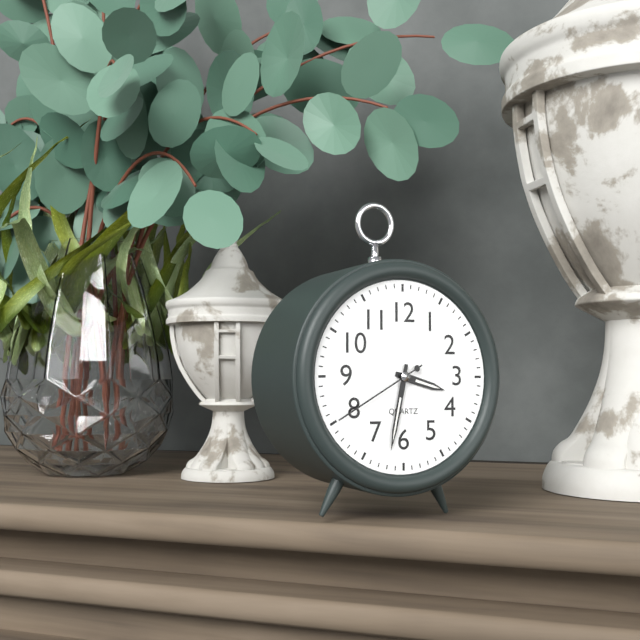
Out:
3.32.40
